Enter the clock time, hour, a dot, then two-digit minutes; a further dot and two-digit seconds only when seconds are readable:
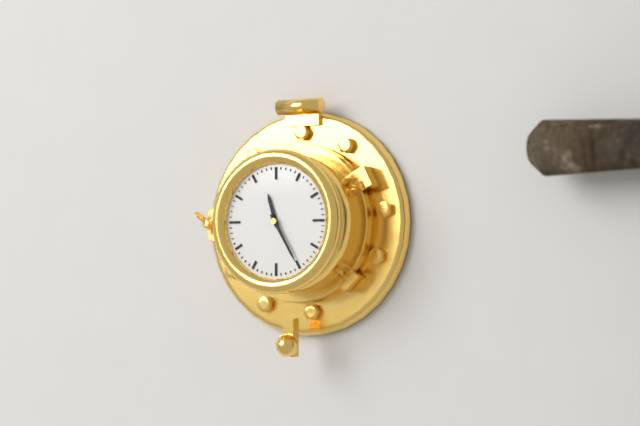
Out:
11.25
